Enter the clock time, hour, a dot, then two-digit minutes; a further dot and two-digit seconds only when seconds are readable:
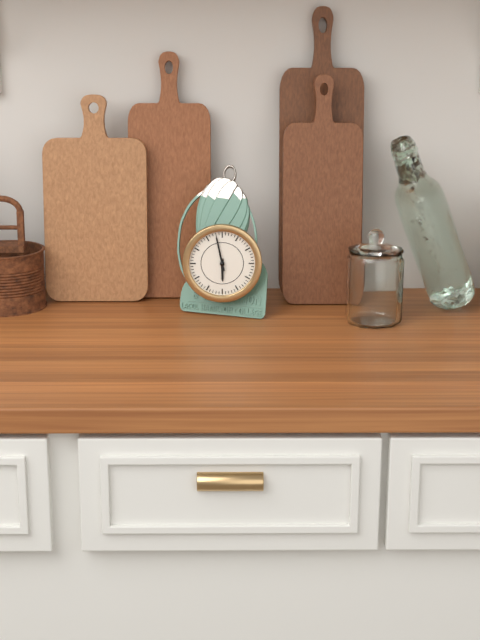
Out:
5.58
